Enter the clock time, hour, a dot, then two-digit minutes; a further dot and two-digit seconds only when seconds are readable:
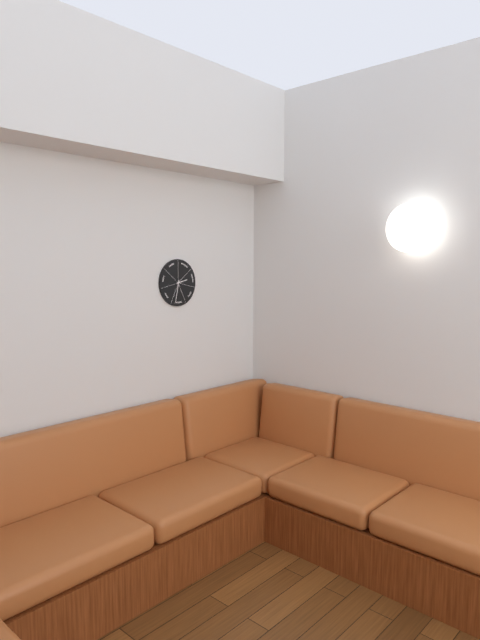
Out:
2.32
